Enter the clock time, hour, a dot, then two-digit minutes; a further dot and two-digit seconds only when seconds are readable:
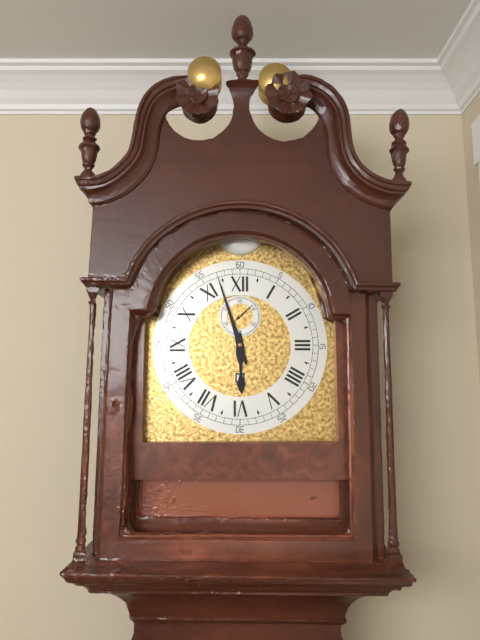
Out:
5.57
